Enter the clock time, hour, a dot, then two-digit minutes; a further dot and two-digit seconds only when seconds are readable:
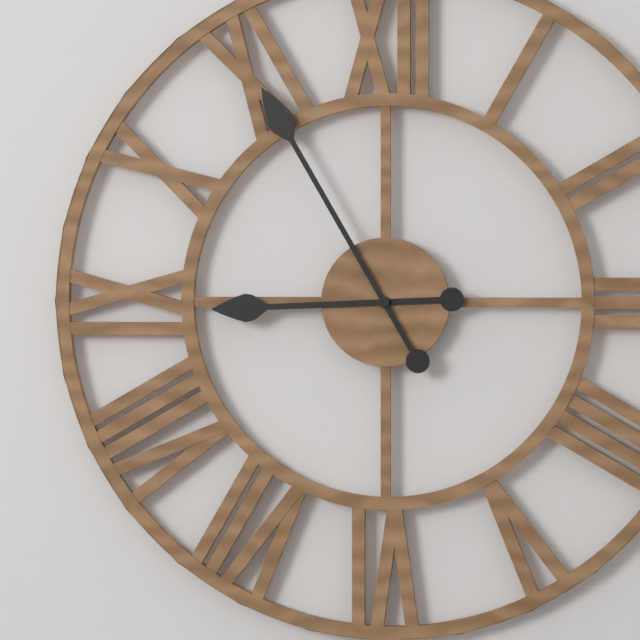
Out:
8.55
